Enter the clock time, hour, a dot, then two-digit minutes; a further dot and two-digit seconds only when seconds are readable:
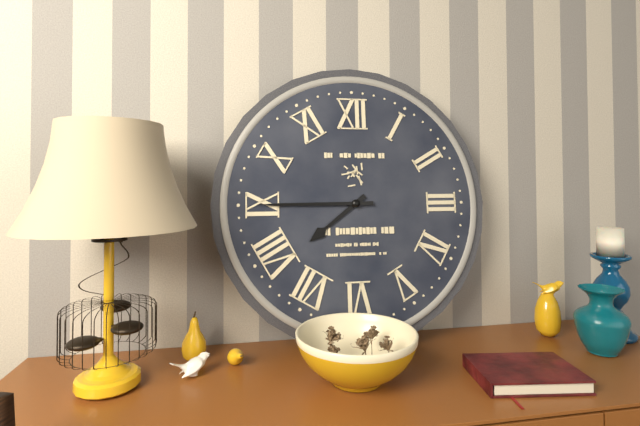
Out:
7.45
